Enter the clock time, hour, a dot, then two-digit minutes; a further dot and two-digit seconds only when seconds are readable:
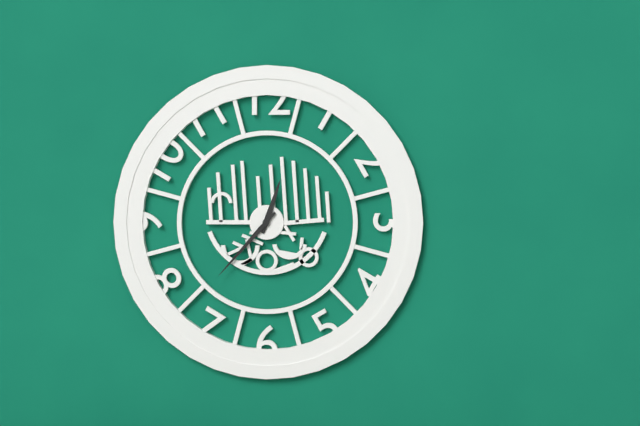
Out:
12.37
